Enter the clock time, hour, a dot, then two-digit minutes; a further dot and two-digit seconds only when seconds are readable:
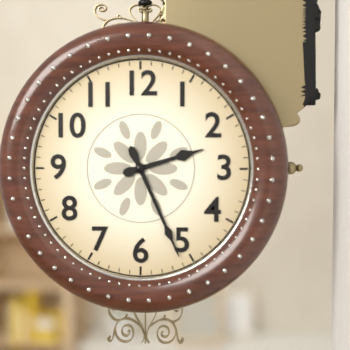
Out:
2.26
